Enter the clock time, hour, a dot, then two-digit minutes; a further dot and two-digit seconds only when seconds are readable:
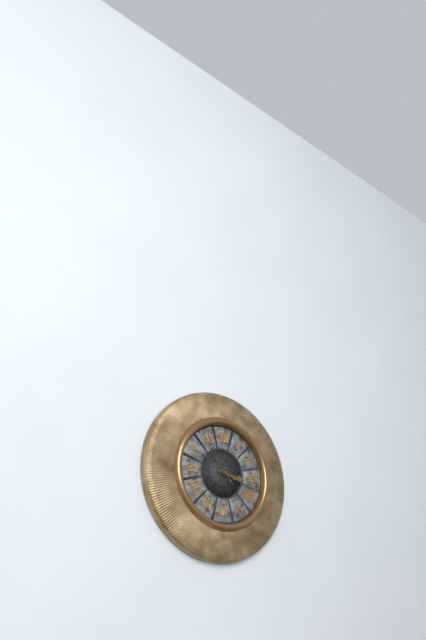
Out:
3.18.53
